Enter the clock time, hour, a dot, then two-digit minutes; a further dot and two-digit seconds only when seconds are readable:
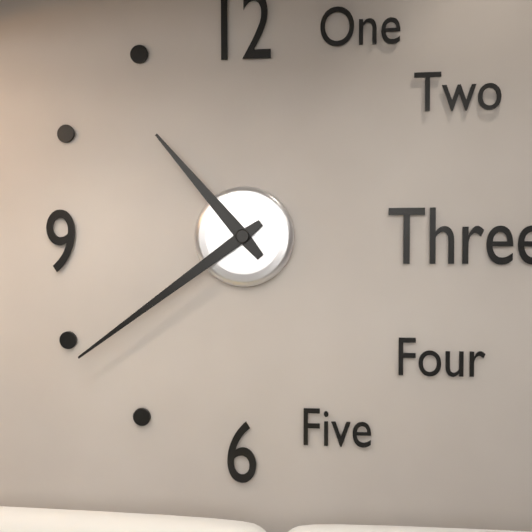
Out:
10.39
